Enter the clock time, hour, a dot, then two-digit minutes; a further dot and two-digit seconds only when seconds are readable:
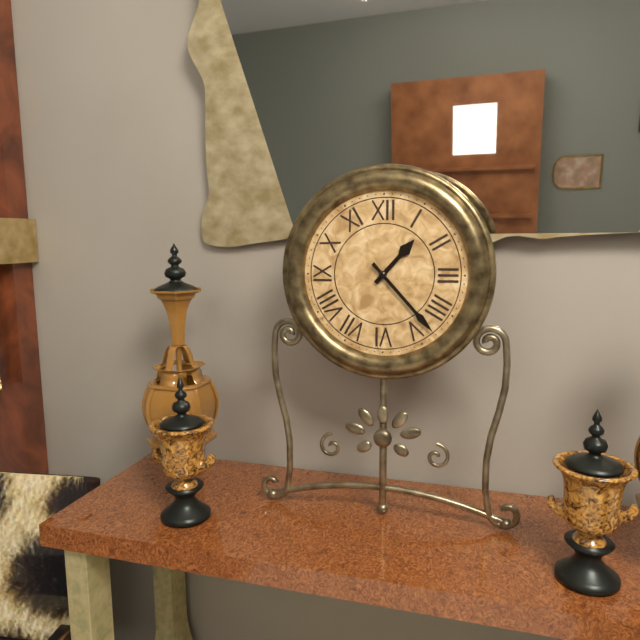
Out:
1.23
